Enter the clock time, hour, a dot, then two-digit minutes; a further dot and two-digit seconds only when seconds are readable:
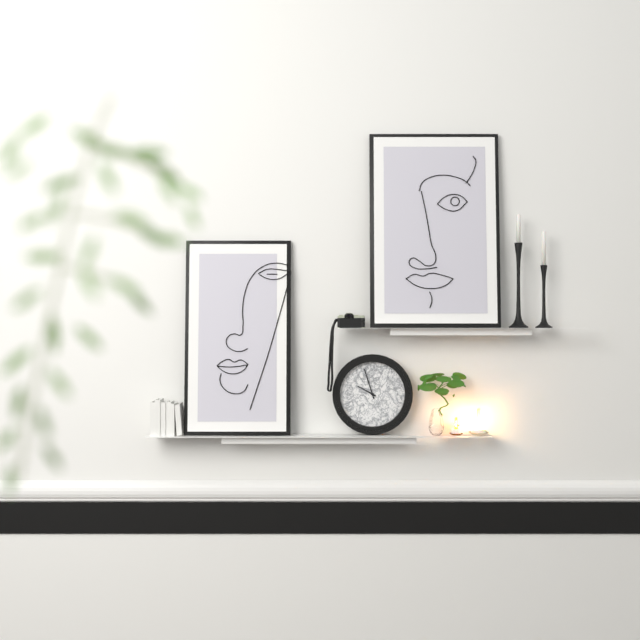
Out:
9.57
